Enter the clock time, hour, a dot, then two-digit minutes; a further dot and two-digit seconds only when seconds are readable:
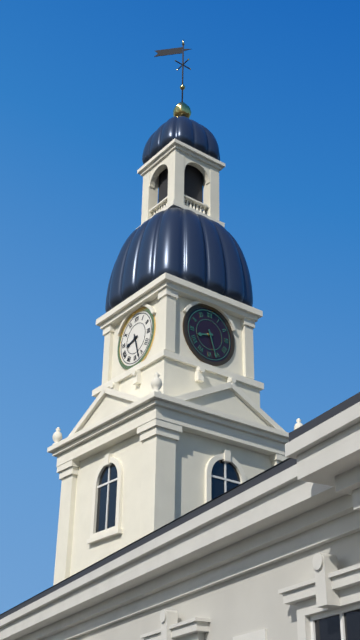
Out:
8.27
